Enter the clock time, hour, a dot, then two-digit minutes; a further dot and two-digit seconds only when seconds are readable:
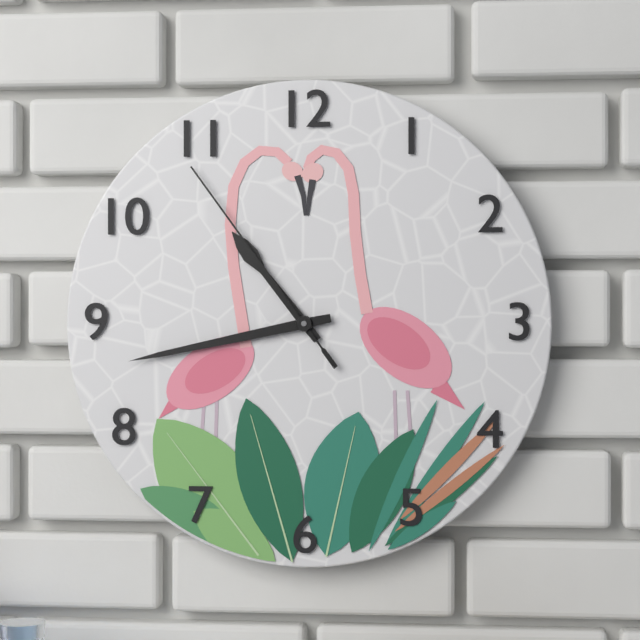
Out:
10.43.54
